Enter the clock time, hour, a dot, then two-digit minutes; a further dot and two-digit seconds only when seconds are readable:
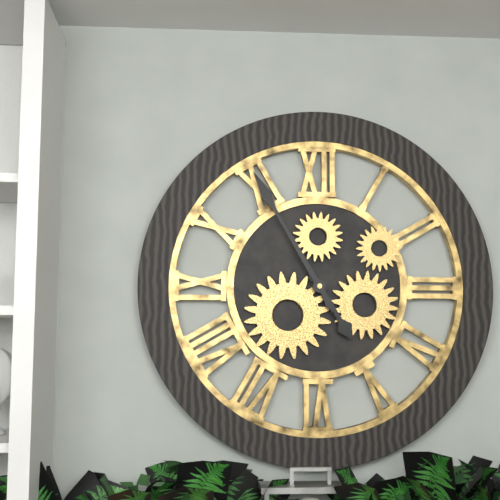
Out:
4.55
